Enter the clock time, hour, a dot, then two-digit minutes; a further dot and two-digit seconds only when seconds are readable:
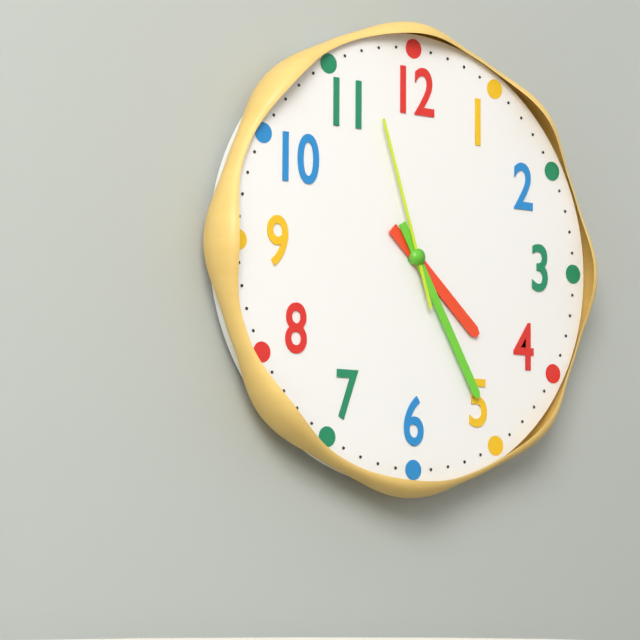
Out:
4.25.57
